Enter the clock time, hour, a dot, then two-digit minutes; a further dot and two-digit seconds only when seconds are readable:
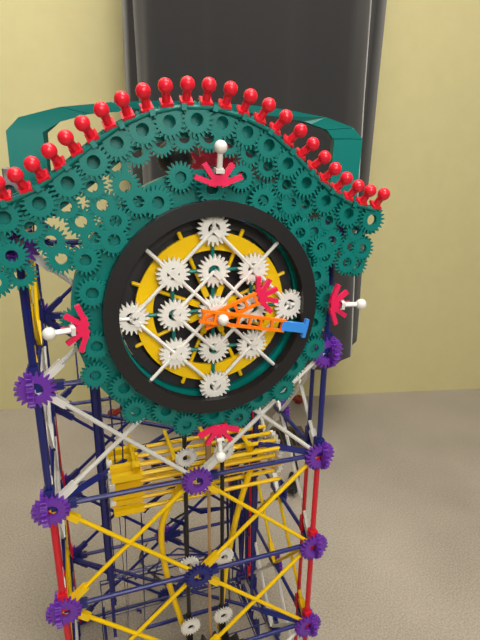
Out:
2.17
